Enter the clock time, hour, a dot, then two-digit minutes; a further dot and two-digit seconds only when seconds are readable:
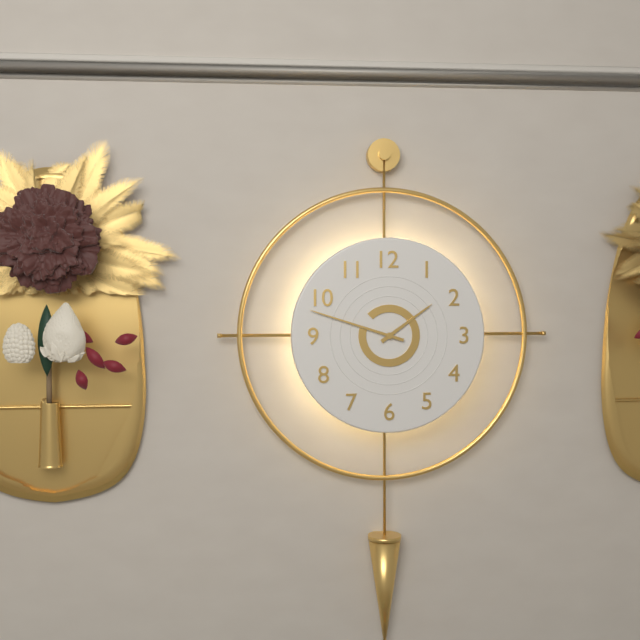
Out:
1.48
